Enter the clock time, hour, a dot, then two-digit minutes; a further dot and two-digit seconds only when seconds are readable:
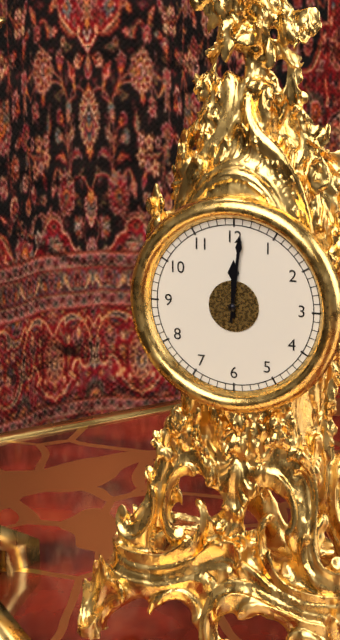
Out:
12.01
